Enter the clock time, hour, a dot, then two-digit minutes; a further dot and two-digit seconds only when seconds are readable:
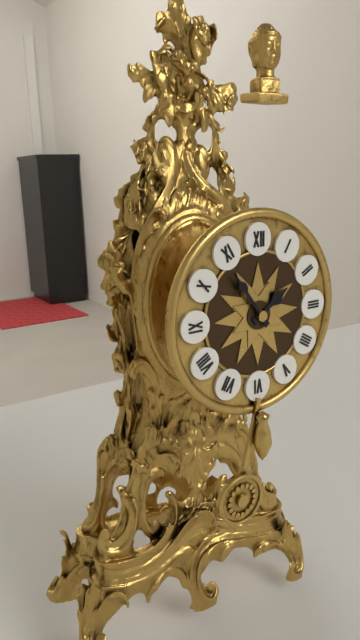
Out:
1.54
